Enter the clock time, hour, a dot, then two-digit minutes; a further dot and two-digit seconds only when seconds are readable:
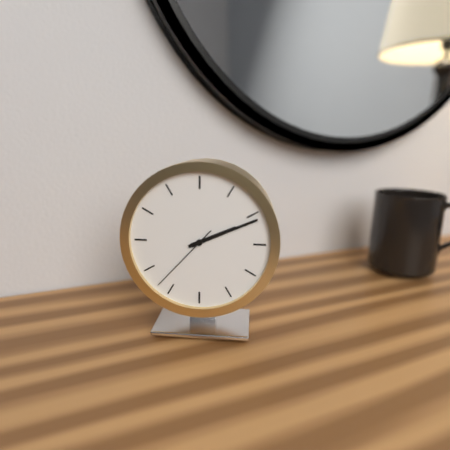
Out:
2.11.37
